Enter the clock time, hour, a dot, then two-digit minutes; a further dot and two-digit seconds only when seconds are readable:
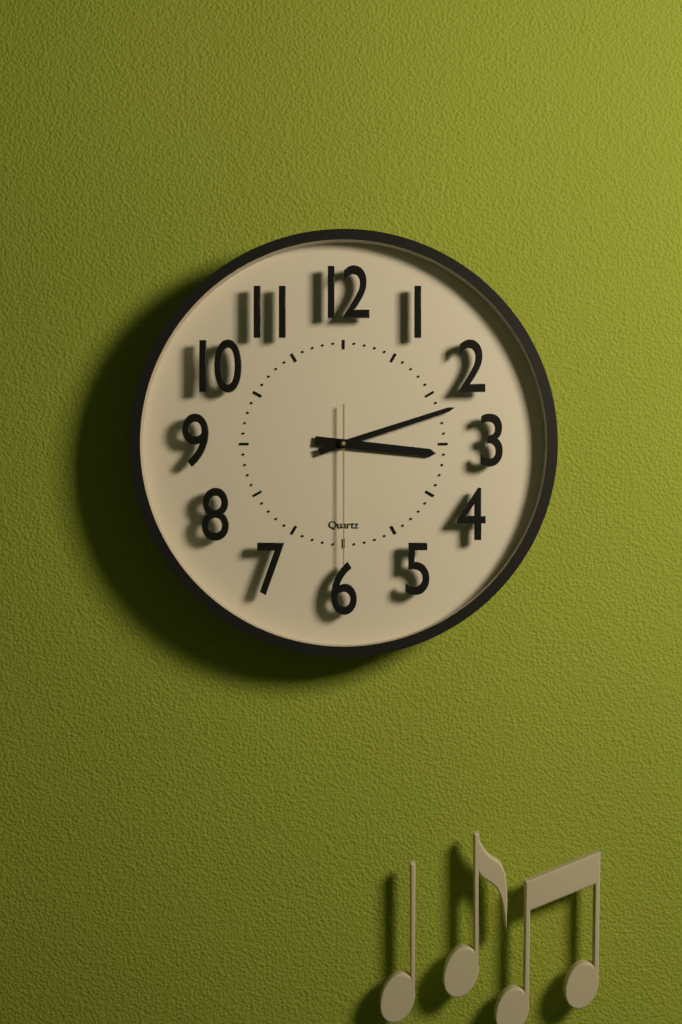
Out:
3.12.30
